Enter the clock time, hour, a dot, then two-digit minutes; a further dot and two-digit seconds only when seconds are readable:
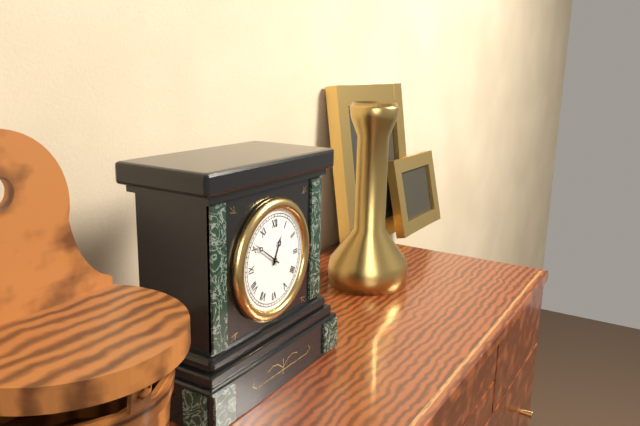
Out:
12.51
